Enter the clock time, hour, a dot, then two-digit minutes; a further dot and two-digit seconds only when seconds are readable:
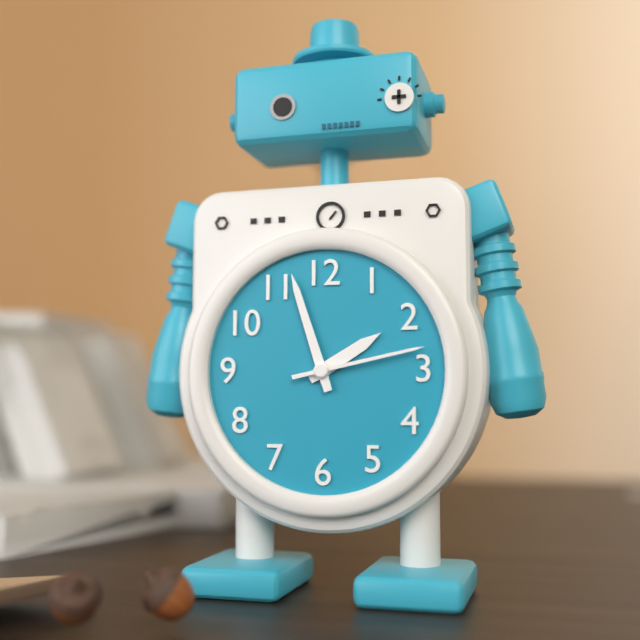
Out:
1.57.13
